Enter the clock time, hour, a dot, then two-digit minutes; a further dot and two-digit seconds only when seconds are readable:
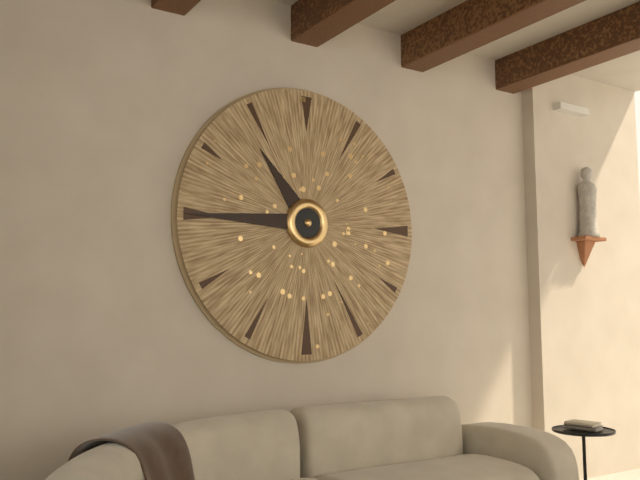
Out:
10.45
